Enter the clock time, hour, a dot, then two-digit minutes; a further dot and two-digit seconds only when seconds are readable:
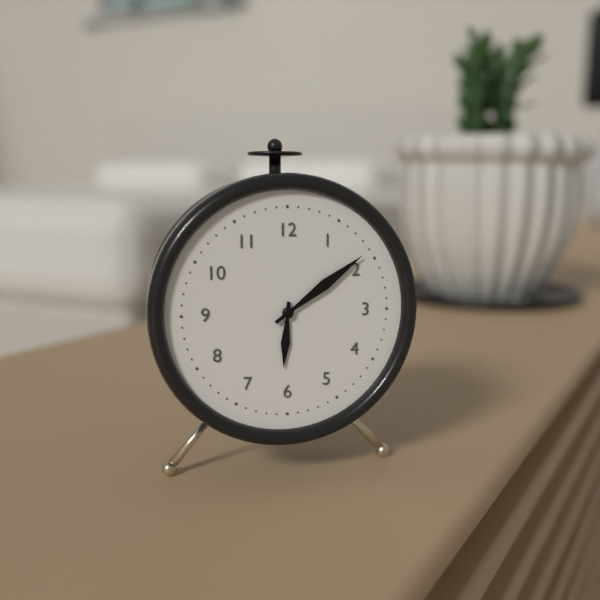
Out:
6.09
